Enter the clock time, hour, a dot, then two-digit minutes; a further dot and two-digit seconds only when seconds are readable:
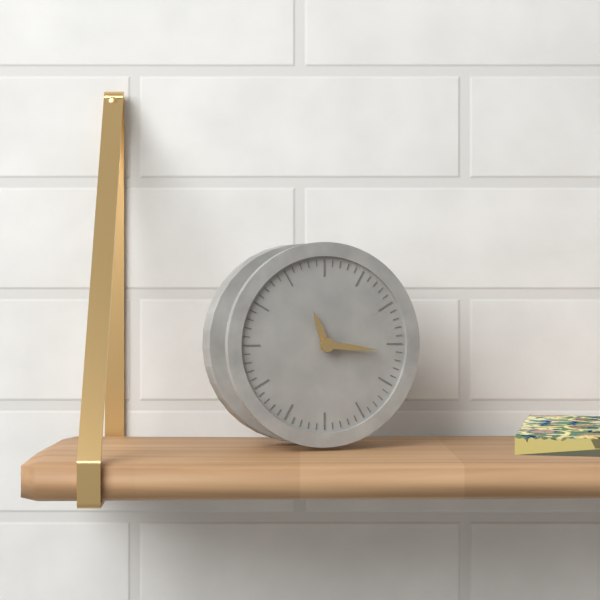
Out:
11.16
